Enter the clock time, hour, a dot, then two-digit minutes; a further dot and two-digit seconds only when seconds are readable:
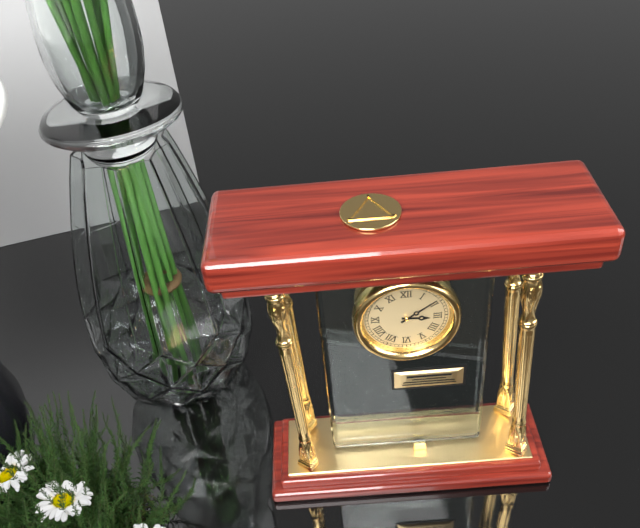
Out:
3.09
